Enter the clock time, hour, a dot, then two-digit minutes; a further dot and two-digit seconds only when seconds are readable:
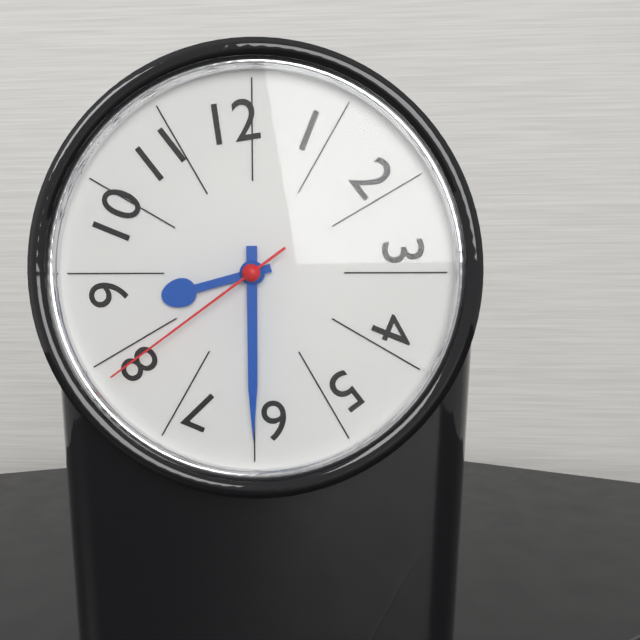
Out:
8.30.39
